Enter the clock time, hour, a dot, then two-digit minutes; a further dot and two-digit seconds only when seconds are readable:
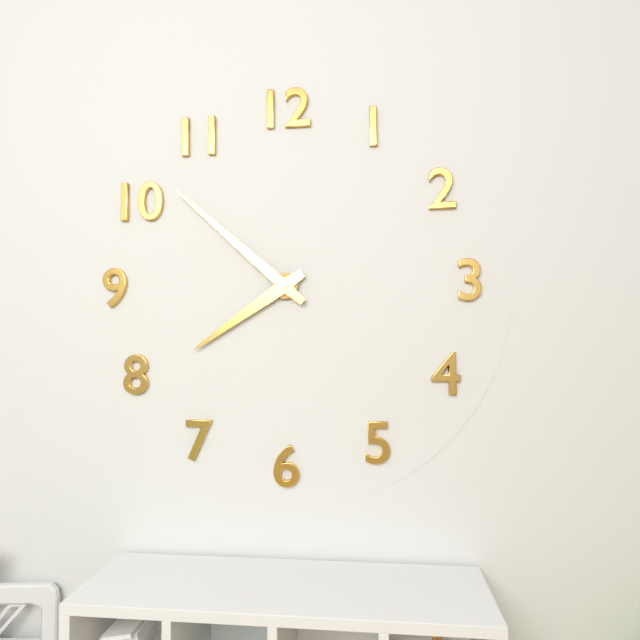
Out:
7.52
